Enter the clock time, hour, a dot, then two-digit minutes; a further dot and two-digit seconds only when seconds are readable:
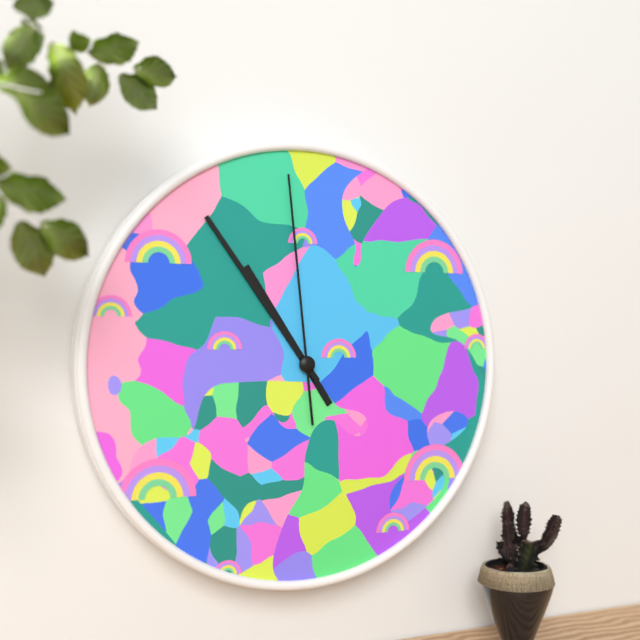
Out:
10.54.59
